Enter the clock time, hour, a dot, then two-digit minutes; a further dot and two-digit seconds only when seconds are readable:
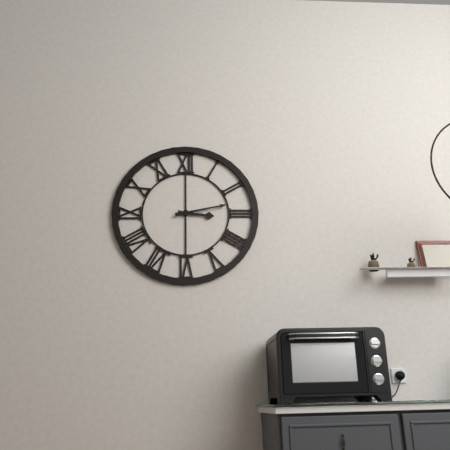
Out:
3.13
